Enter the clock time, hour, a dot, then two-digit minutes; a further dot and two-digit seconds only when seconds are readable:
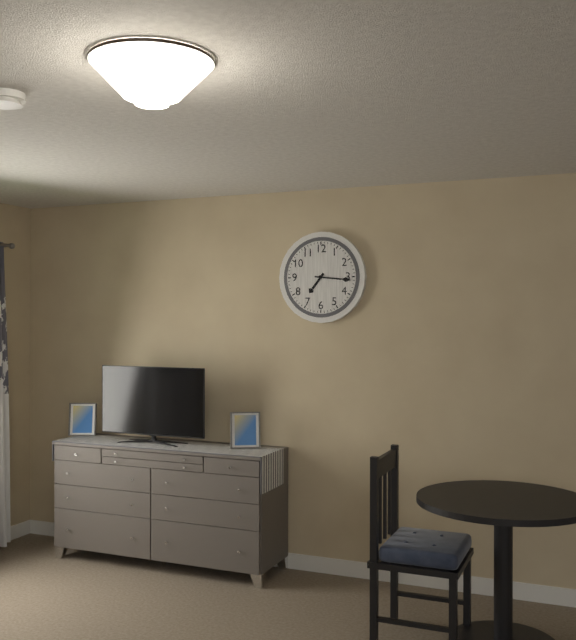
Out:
7.16
